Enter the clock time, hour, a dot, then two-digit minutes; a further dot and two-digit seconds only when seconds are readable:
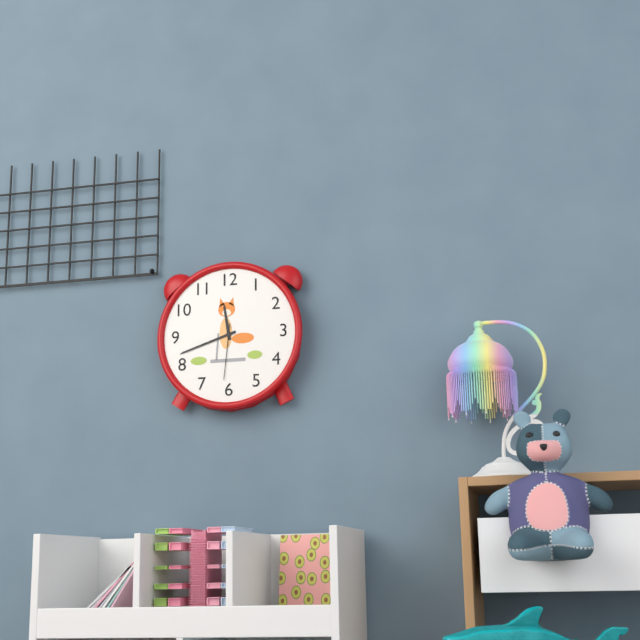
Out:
11.42.31
